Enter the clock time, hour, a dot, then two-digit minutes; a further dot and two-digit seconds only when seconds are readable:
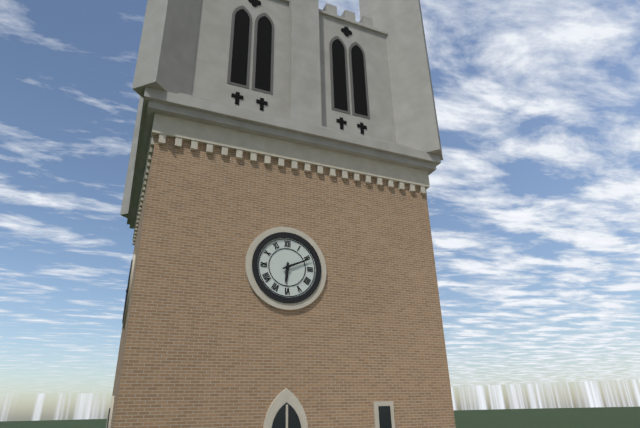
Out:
6.11
